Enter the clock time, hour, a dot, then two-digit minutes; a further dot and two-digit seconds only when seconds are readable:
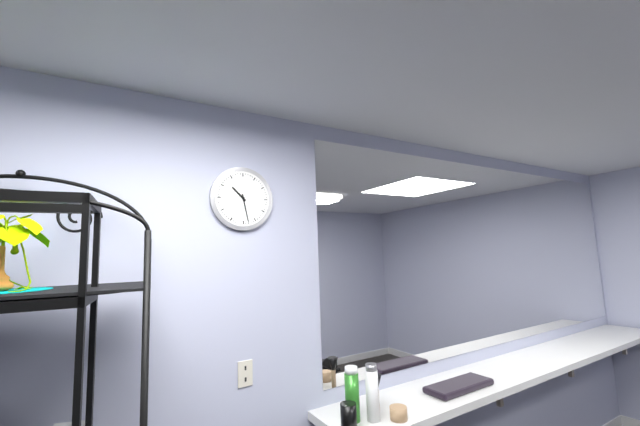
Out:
10.28
